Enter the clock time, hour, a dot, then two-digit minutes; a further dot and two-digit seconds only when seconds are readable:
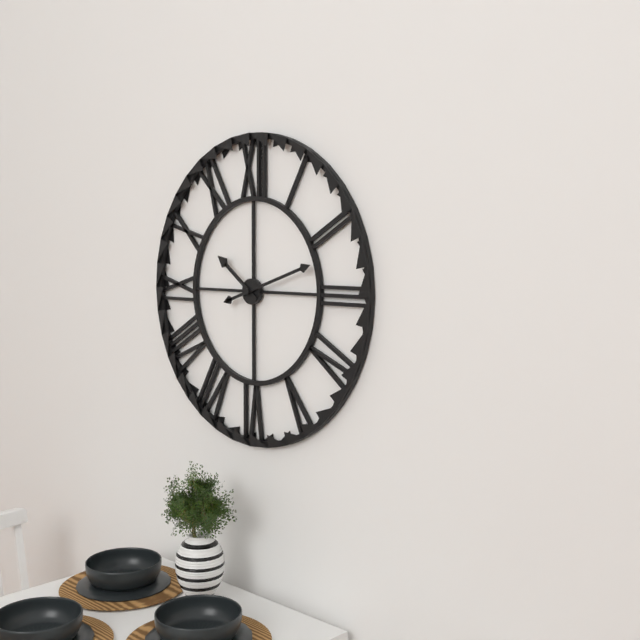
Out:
10.12
